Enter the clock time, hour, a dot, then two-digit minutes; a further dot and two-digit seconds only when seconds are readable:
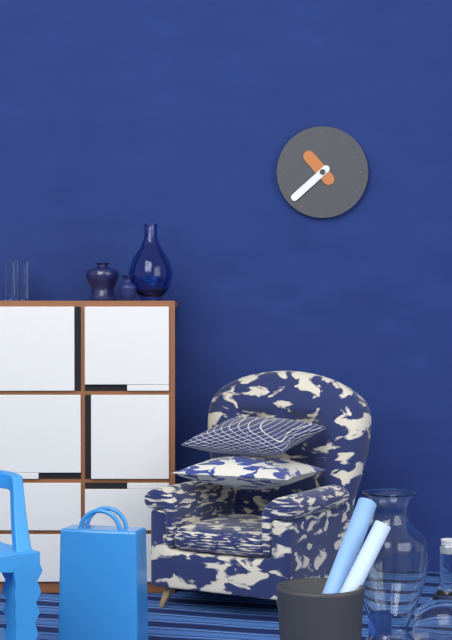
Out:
10.38
